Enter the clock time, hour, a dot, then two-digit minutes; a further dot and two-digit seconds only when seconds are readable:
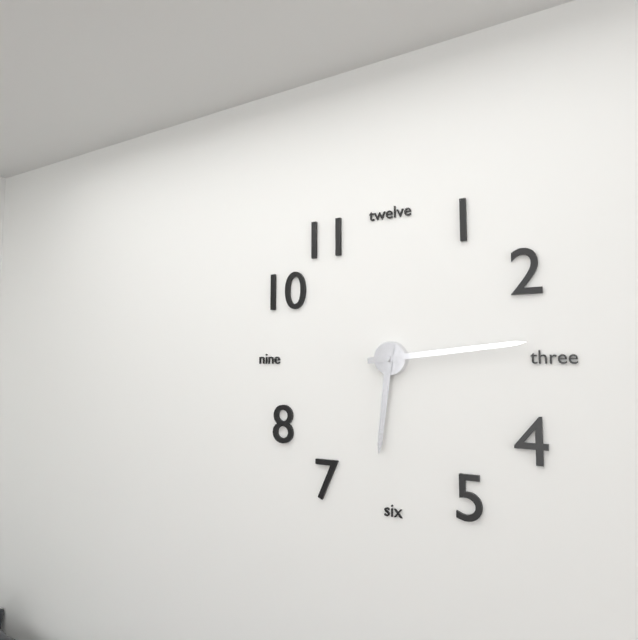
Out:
6.14
